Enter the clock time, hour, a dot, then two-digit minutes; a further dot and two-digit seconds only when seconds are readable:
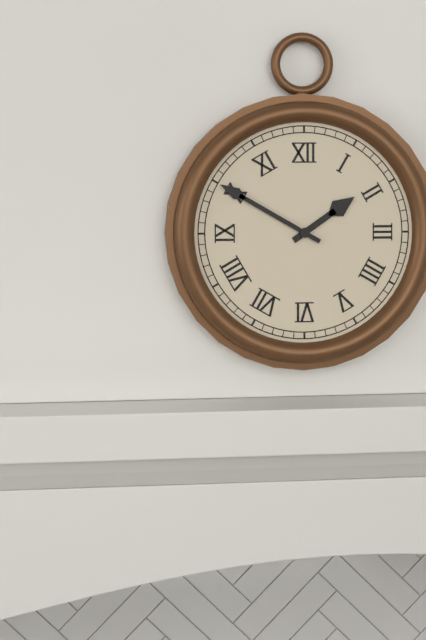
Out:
1.50
